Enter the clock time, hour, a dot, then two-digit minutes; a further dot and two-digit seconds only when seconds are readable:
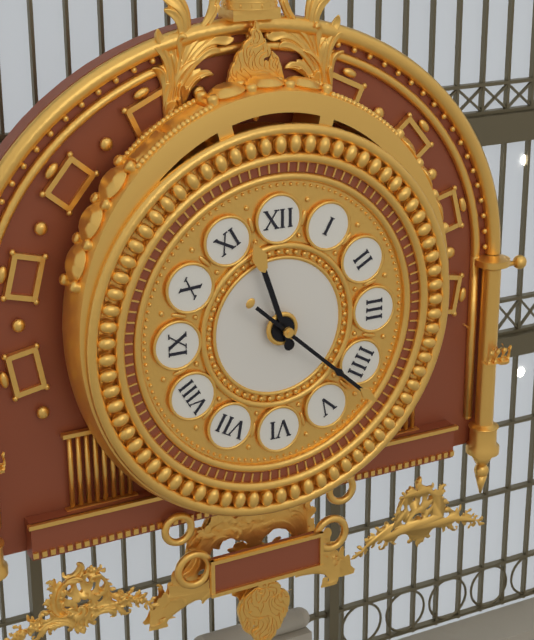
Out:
11.22
